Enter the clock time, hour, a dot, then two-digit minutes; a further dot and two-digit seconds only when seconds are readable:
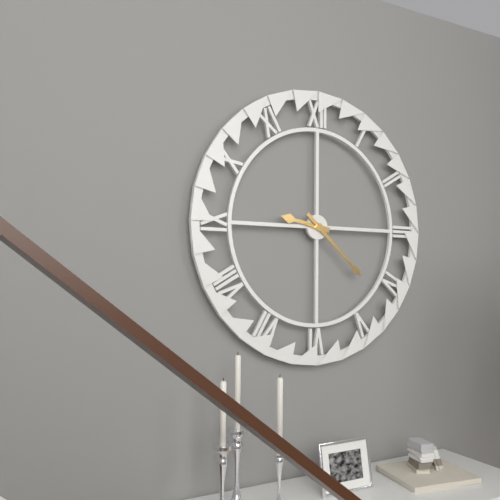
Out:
9.22
